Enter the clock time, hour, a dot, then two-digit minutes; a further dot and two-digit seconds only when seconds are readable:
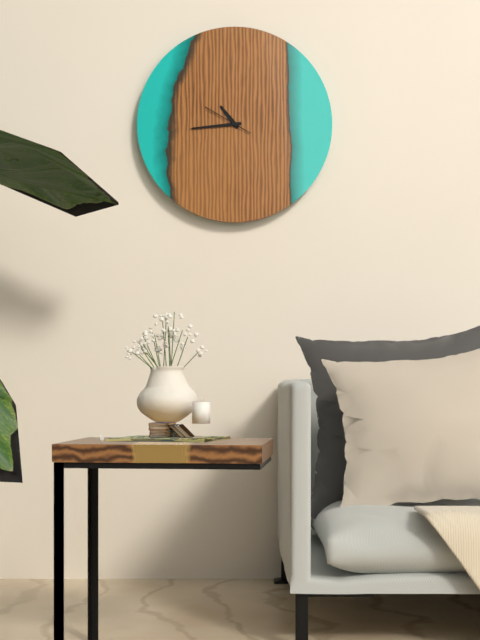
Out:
10.44
